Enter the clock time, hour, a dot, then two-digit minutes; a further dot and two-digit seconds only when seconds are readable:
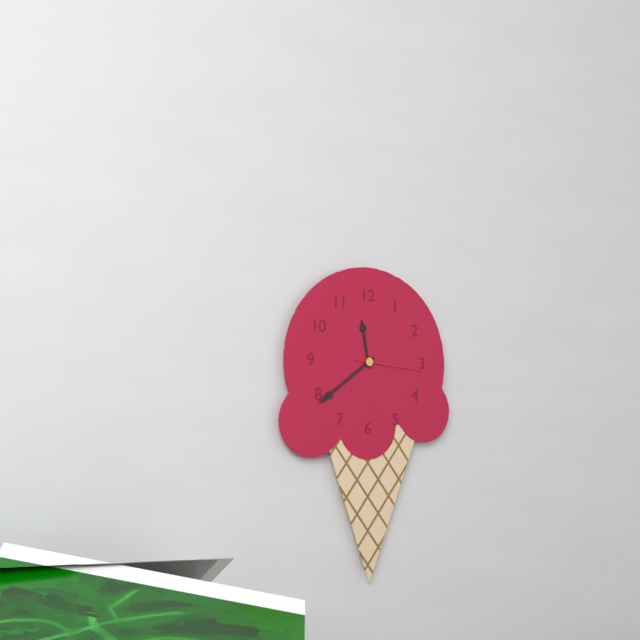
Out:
11.39.16
